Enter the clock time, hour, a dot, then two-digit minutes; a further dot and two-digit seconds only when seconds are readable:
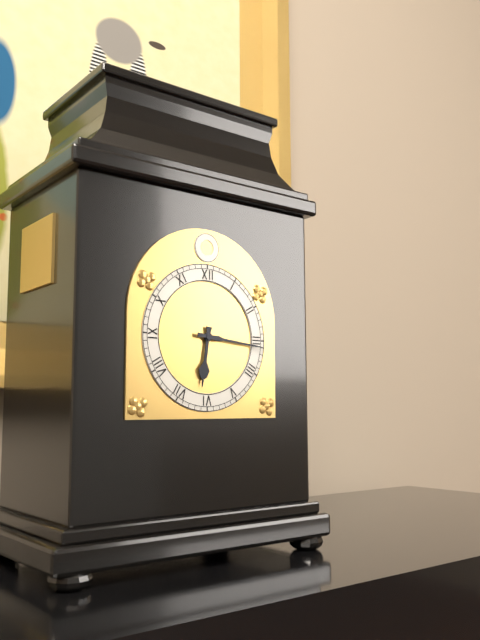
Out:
6.16
